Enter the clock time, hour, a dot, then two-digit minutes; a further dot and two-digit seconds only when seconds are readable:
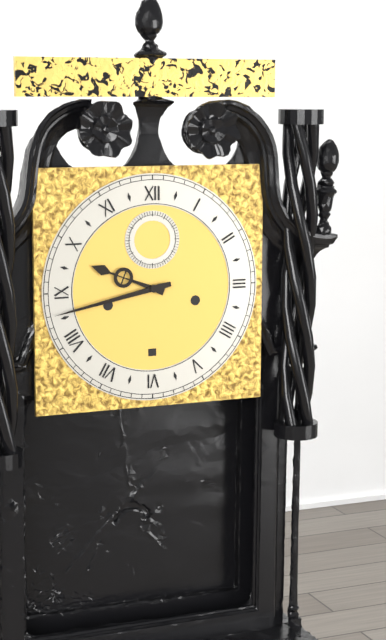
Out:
9.43
